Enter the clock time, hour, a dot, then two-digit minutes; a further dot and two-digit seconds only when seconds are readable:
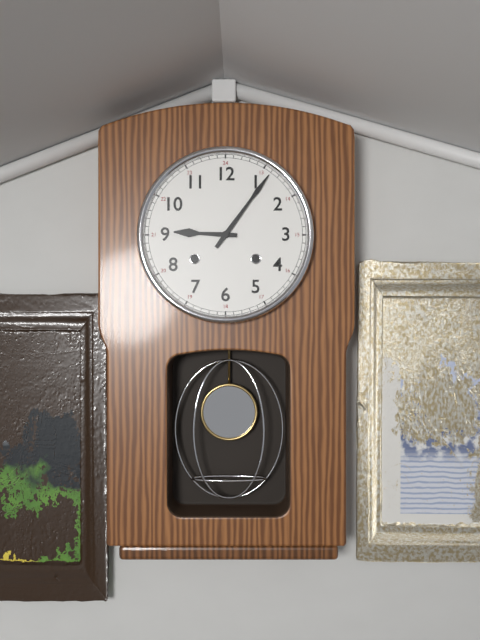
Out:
9.06
